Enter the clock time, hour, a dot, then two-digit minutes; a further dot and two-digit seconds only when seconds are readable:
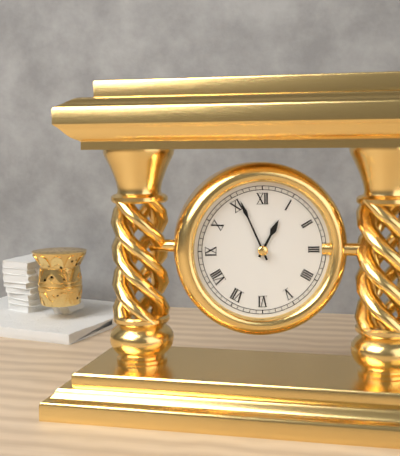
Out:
12.56
